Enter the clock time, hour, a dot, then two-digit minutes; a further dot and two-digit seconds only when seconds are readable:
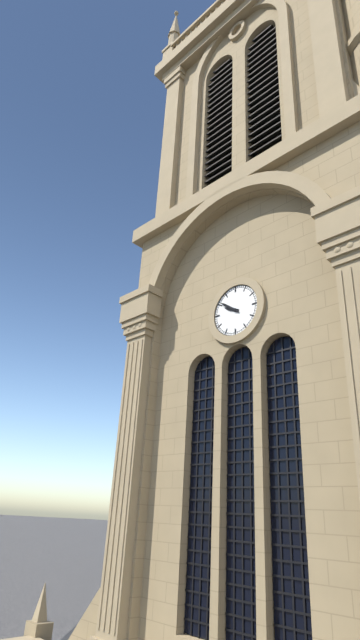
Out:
9.51
